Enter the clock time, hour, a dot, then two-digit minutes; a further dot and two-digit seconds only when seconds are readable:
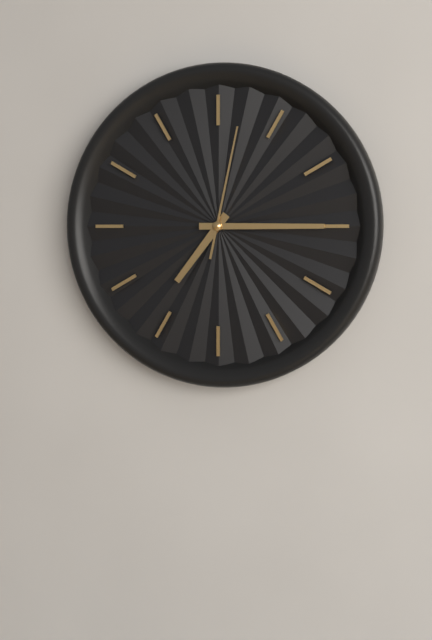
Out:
7.15.02
